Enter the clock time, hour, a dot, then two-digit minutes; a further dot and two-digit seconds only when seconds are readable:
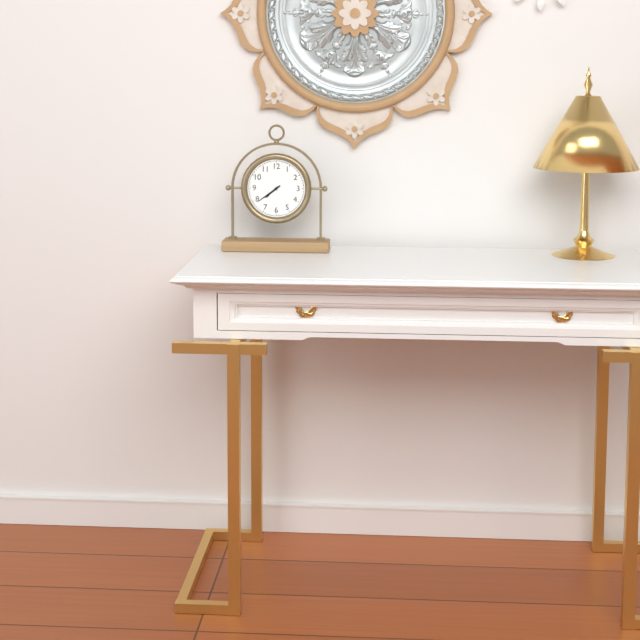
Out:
7.39
